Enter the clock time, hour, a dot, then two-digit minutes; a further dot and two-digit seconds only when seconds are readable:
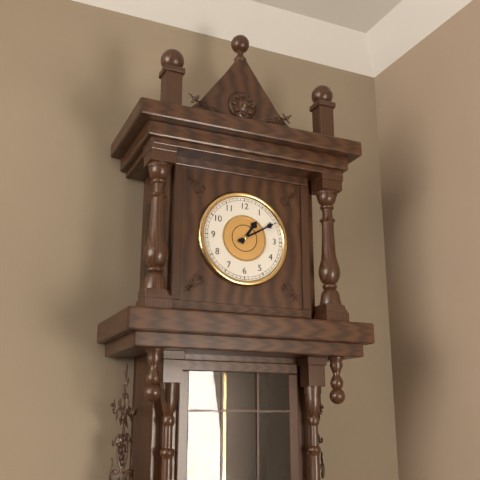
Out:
1.10
